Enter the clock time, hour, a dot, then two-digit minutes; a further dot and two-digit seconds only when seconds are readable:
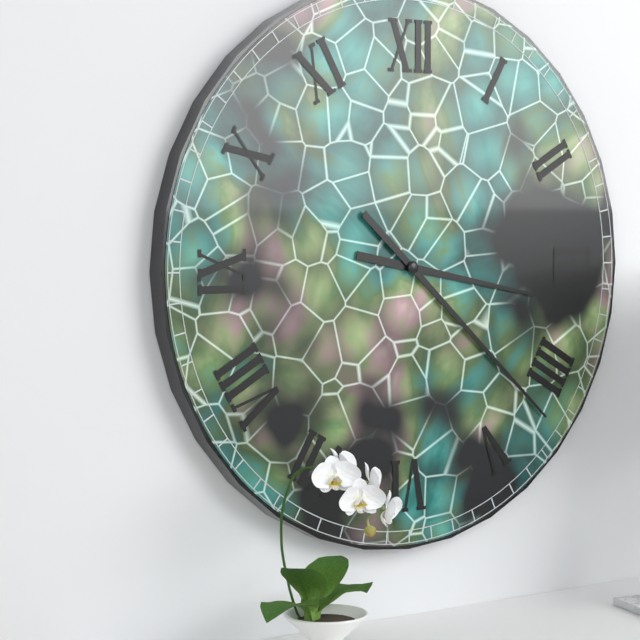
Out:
3.22
